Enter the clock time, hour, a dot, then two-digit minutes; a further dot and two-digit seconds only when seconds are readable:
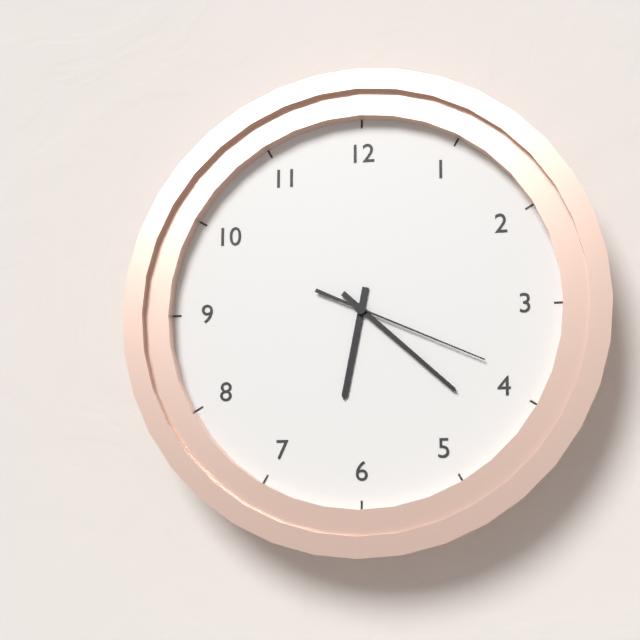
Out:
6.22.19
